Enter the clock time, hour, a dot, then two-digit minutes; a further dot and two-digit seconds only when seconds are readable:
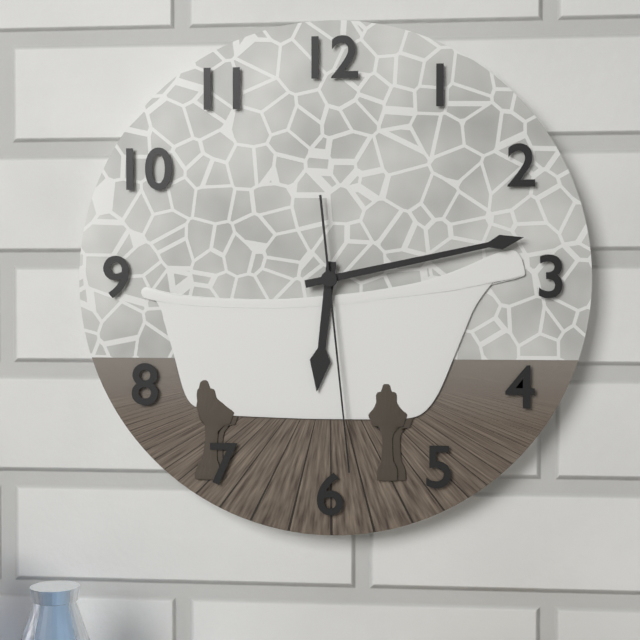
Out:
6.13.29
